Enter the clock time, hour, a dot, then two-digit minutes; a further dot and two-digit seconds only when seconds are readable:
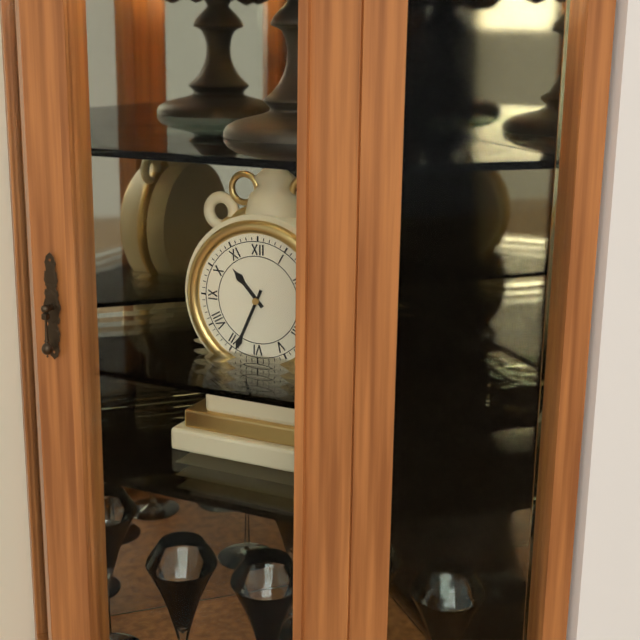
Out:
10.34
